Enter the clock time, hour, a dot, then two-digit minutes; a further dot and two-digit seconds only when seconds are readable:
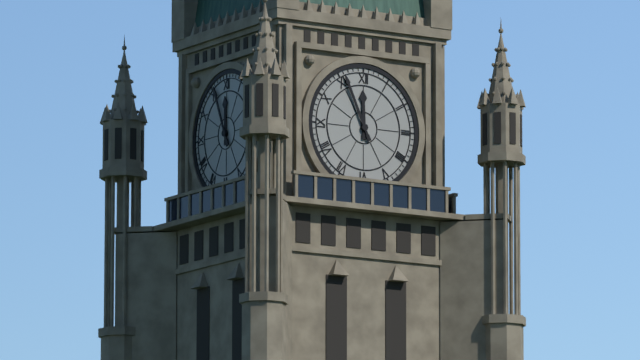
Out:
11.56
